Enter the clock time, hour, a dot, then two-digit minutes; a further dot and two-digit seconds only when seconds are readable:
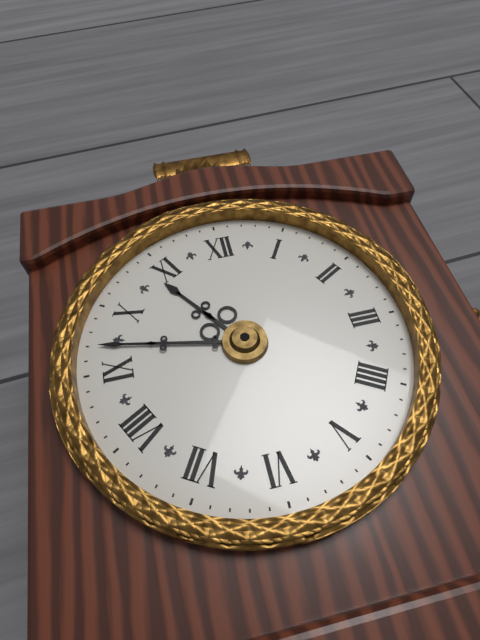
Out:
10.47
